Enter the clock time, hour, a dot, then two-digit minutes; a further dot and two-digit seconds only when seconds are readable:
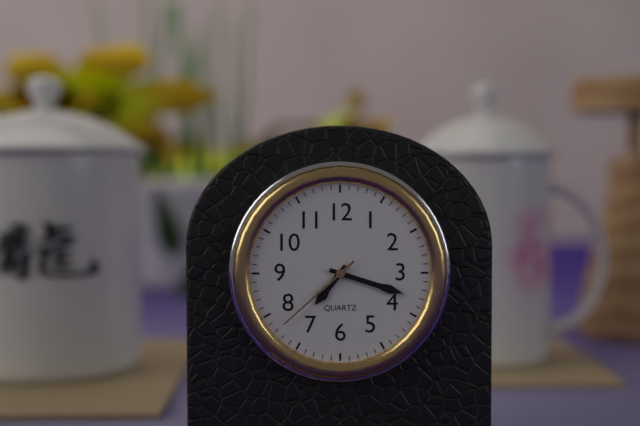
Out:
7.18.38
